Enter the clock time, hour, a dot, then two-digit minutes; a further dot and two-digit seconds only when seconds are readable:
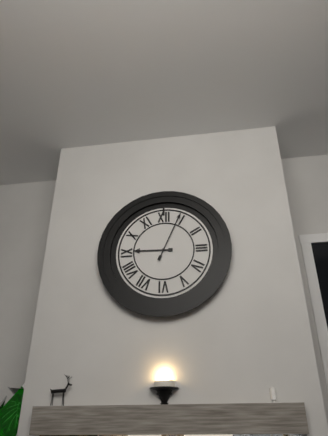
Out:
9.04
